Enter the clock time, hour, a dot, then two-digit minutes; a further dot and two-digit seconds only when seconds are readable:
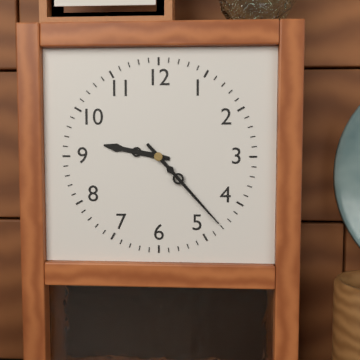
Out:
9.23
